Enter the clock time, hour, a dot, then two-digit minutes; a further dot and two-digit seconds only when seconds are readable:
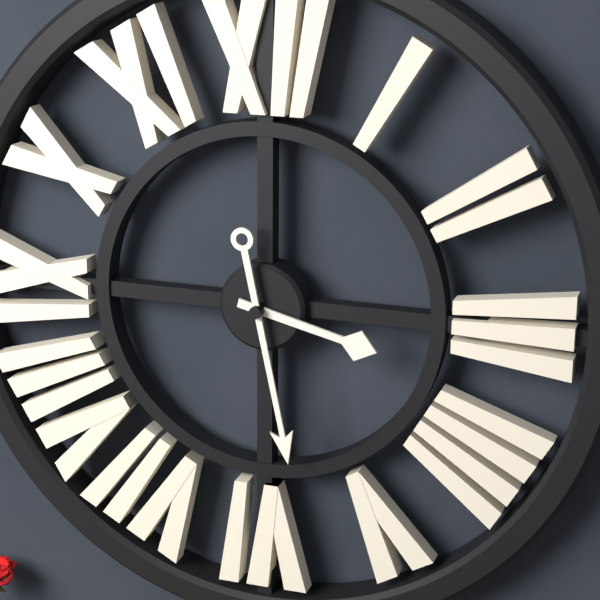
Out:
3.28
